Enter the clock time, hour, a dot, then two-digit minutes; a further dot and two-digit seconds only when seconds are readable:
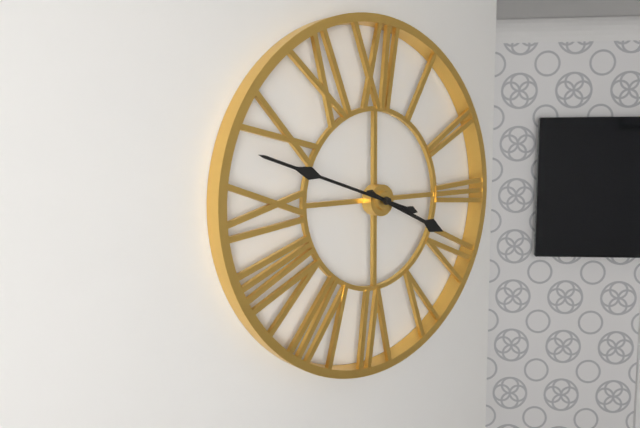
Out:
3.48
